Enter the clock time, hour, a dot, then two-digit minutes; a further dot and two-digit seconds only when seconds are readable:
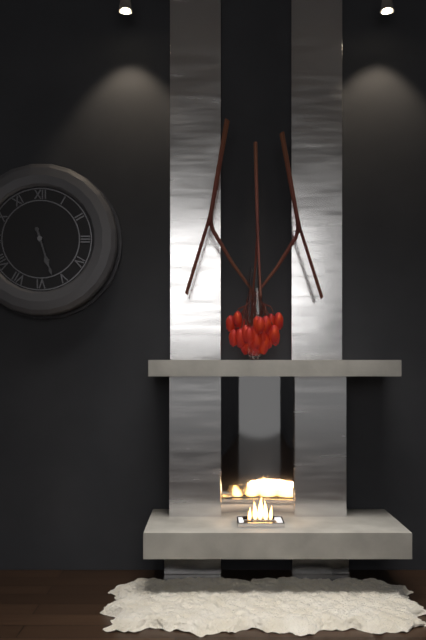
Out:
5.27
